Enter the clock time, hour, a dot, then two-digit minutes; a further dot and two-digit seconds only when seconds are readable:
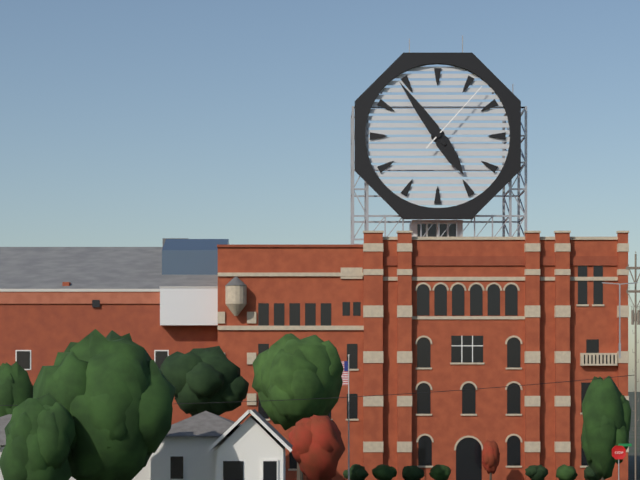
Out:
4.54.07
